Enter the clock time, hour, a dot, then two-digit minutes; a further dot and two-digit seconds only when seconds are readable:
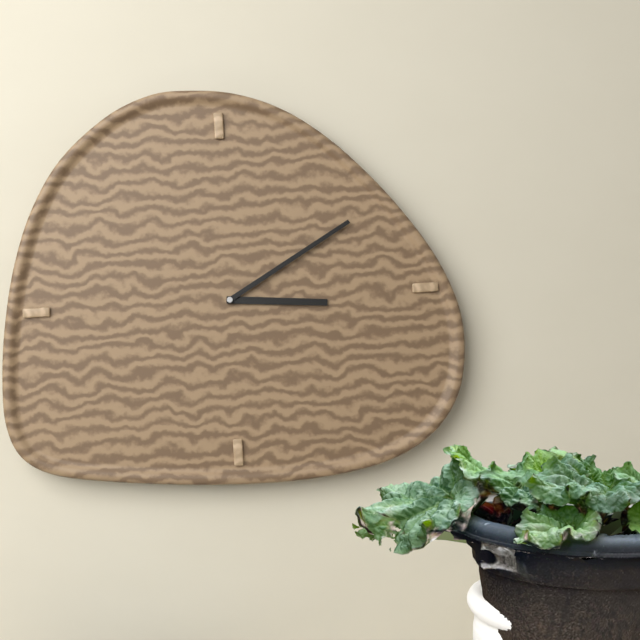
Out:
3.10
